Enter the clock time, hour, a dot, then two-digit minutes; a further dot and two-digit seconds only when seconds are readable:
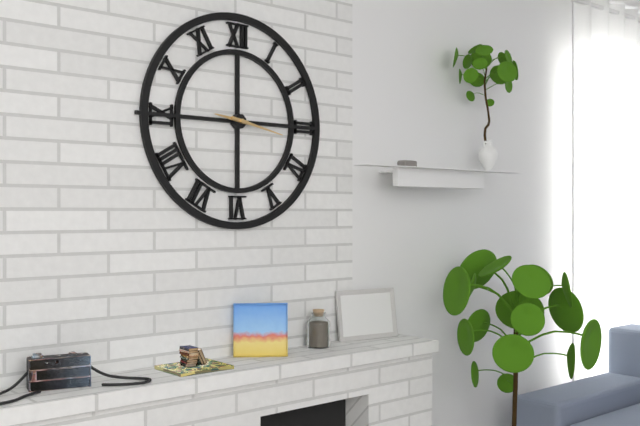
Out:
9.17
